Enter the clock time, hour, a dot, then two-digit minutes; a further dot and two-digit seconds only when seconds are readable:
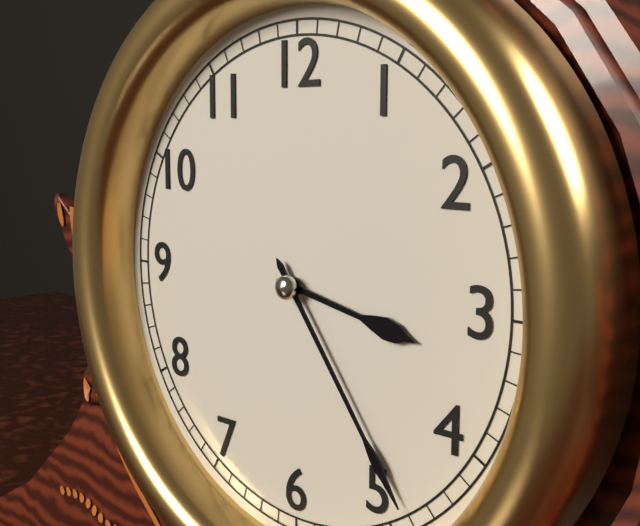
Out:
3.24
